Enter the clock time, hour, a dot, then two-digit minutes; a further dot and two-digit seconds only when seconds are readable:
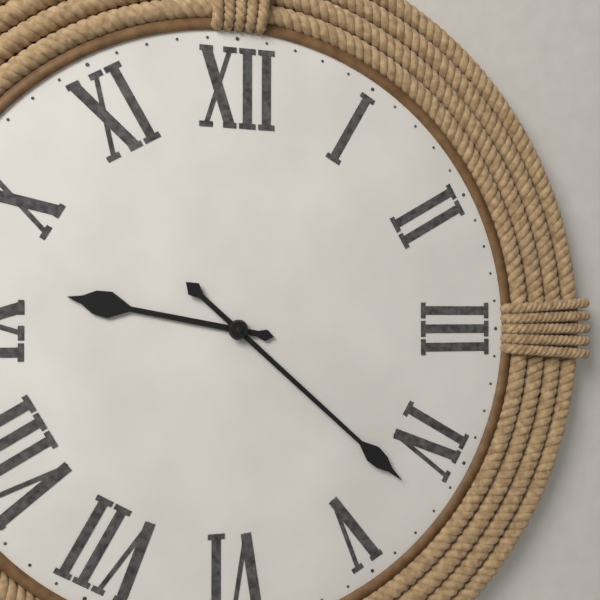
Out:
9.22
